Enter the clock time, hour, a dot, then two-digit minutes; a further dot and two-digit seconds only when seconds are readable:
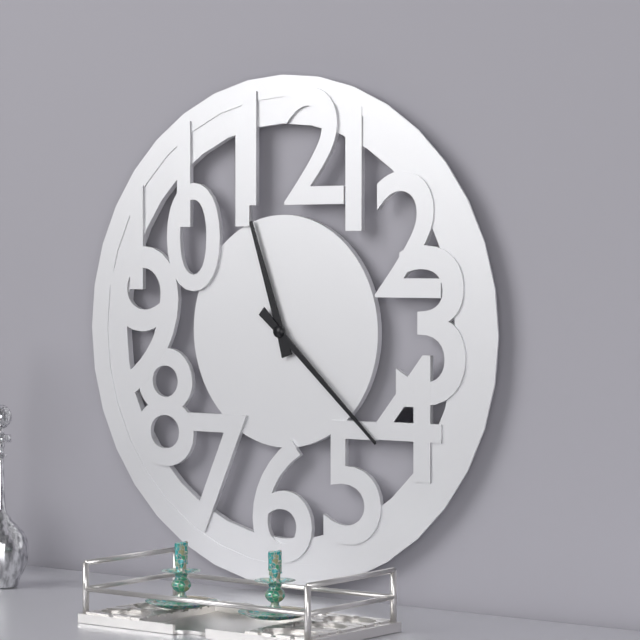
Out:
11.22
